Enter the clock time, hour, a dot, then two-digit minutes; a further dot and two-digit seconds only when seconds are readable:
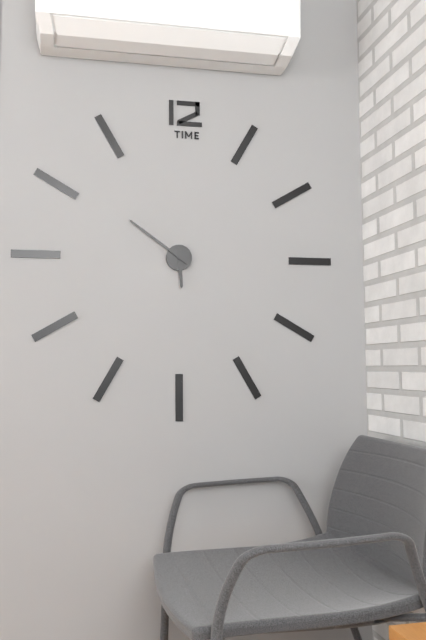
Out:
5.51
